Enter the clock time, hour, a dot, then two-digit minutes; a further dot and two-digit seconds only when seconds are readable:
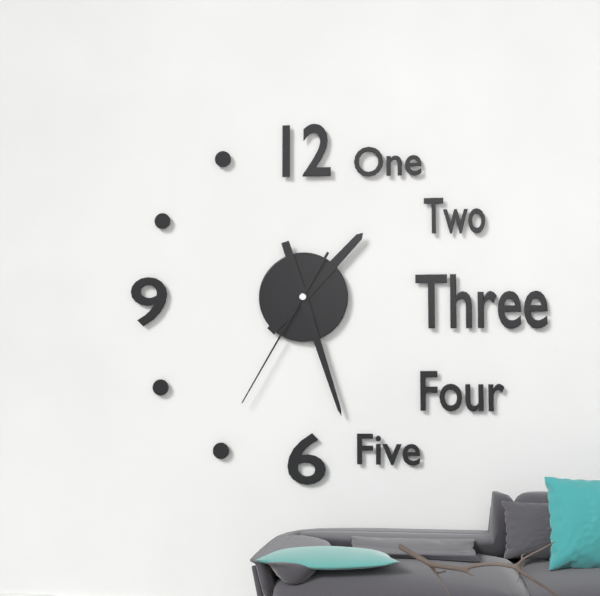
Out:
1.27.35
